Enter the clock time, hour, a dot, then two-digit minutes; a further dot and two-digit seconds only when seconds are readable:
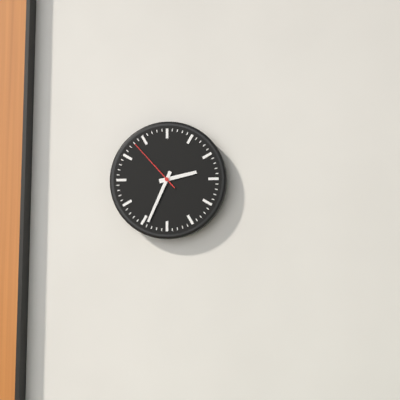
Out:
2.34.53
